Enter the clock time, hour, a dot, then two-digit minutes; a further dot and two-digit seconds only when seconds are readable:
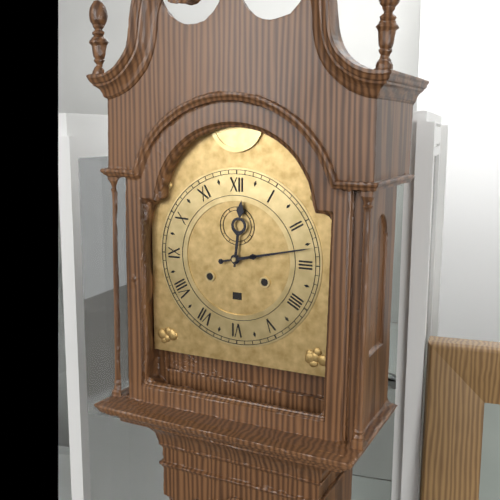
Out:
12.13
